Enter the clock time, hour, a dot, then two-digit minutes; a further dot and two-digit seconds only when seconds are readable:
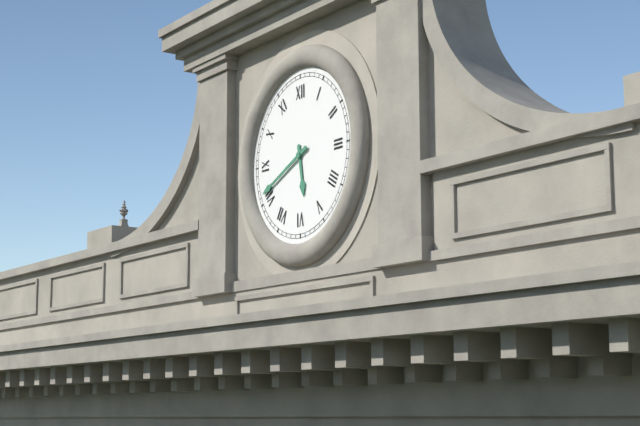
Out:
5.41
